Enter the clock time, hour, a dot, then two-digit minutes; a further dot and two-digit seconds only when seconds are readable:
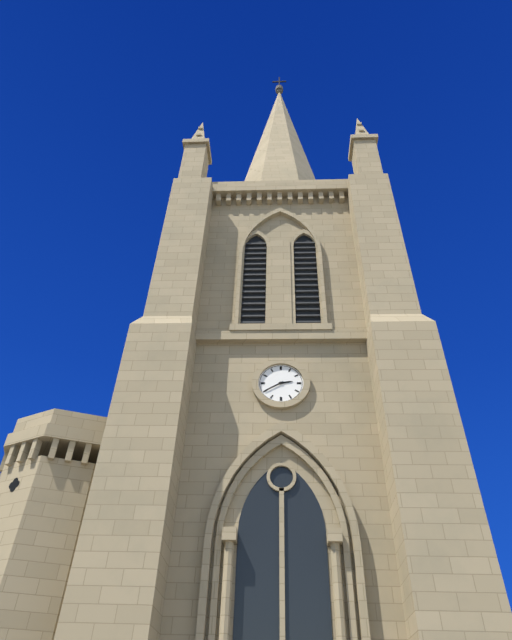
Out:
2.40
